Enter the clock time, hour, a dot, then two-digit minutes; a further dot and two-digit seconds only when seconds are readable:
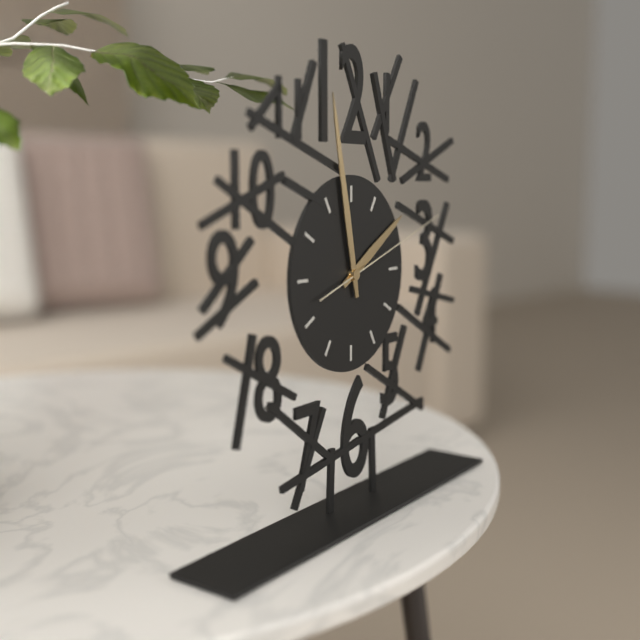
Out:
1.58.12
